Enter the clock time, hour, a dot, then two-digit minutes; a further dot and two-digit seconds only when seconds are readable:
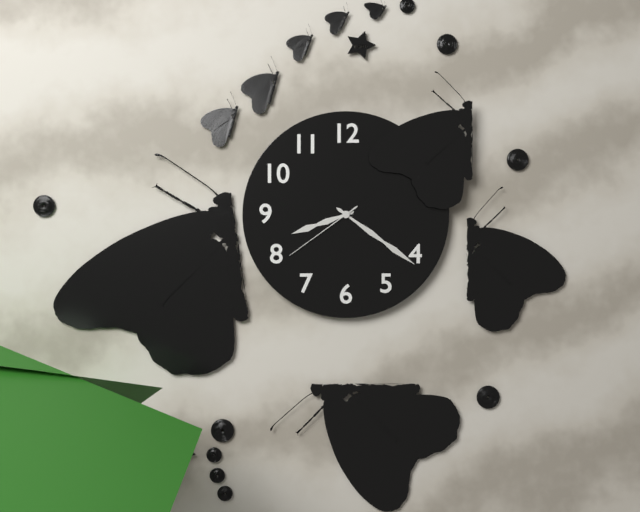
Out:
8.21.39
